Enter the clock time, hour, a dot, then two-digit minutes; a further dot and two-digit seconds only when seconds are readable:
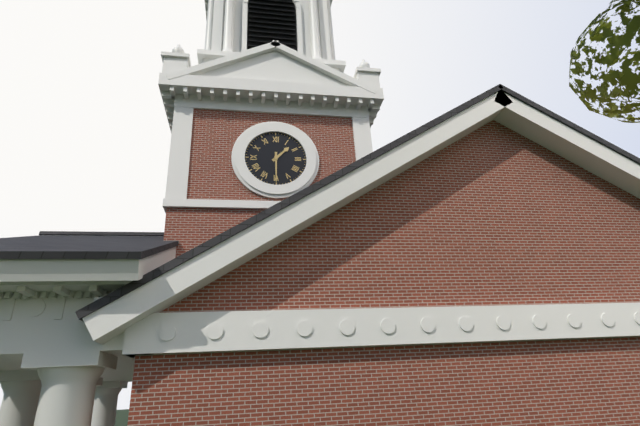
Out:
1.30
